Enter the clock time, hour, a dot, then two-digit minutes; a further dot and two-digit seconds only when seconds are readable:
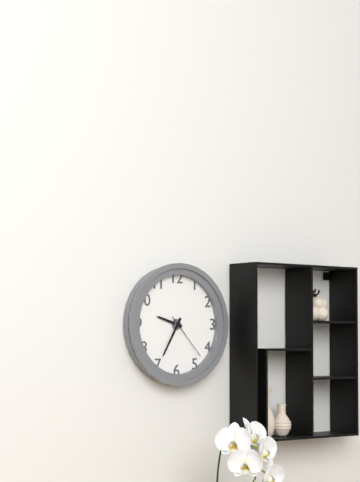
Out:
9.35.23
